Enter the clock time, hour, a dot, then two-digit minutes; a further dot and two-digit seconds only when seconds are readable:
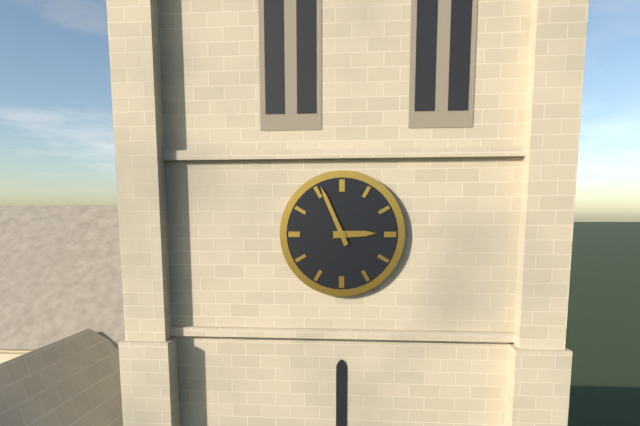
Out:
2.56
